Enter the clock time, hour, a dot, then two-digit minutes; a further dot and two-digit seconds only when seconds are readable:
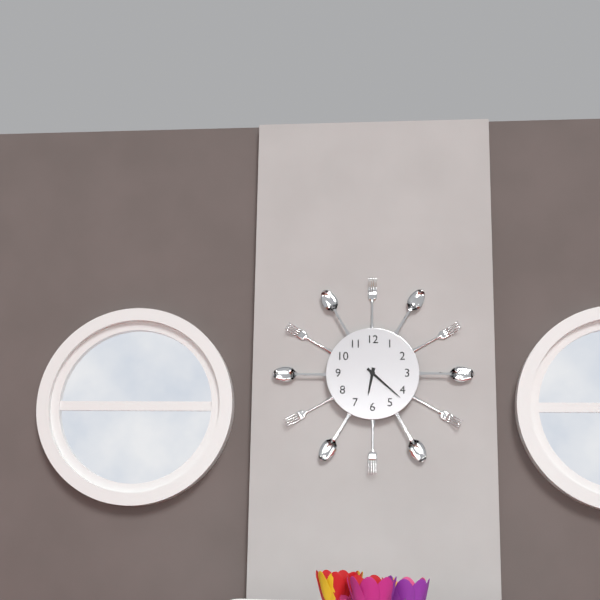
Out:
6.22
